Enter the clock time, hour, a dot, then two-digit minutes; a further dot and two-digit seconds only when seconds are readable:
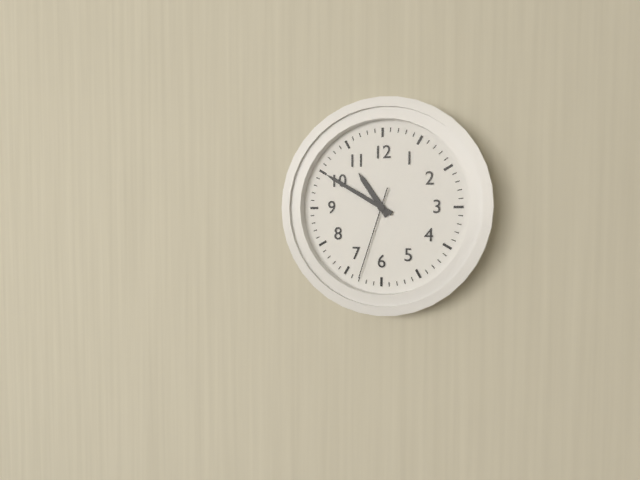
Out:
10.50.33
